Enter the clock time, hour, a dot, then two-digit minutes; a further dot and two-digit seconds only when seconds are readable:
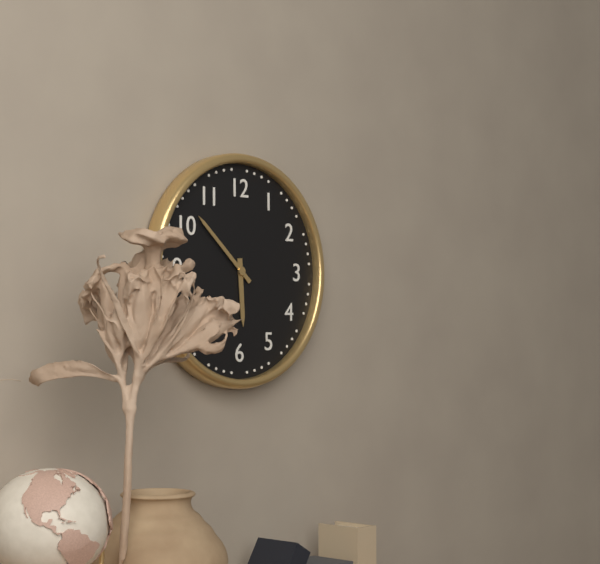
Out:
5.52
